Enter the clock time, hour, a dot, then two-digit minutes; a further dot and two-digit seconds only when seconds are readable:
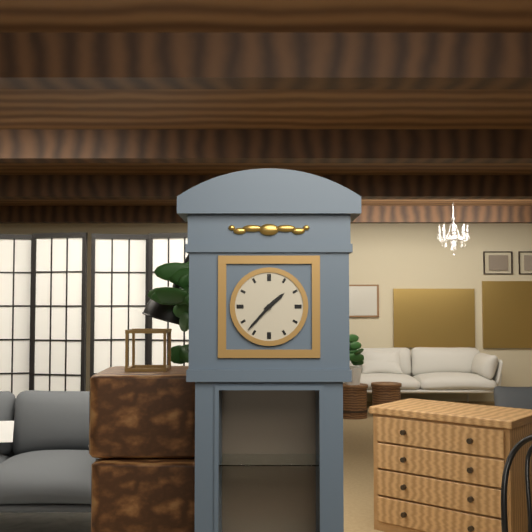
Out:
1.37
